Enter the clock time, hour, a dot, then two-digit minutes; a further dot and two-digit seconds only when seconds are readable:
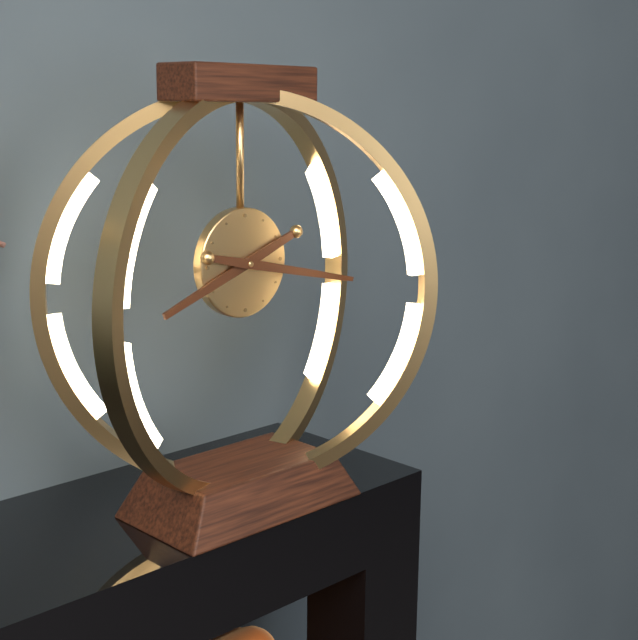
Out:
8.17
